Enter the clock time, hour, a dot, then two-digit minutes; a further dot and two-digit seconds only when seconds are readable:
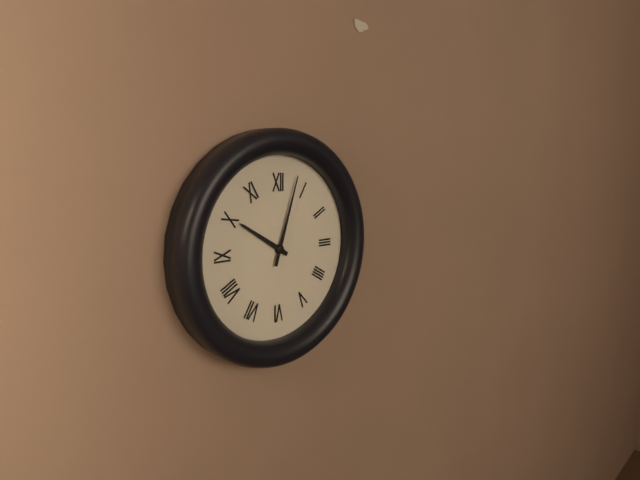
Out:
10.03
